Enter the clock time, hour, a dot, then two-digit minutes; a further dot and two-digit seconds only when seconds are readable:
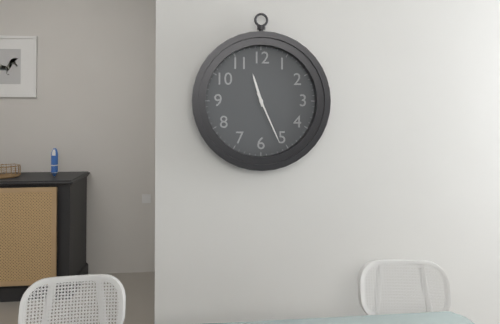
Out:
11.26
